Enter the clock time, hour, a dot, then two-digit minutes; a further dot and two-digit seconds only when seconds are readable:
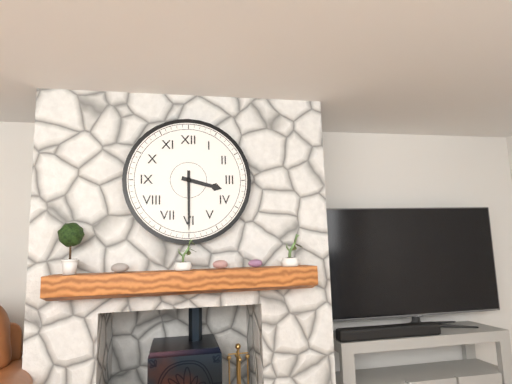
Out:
3.30
